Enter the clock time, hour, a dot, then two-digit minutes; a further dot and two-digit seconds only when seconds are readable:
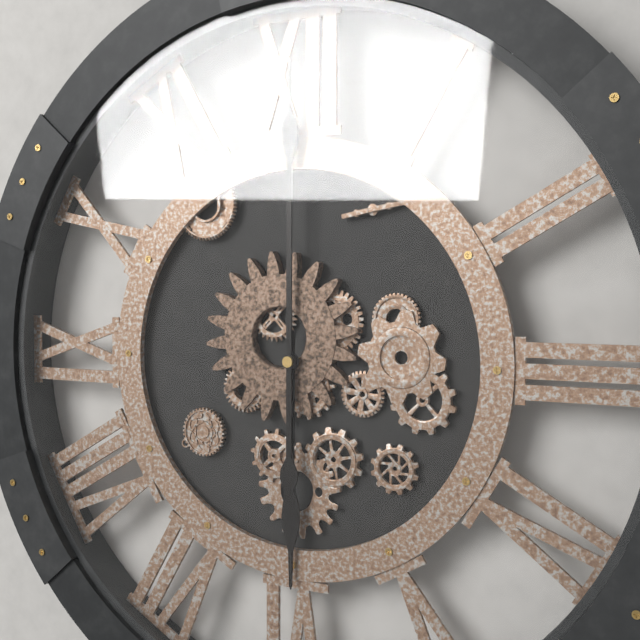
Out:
6.00
